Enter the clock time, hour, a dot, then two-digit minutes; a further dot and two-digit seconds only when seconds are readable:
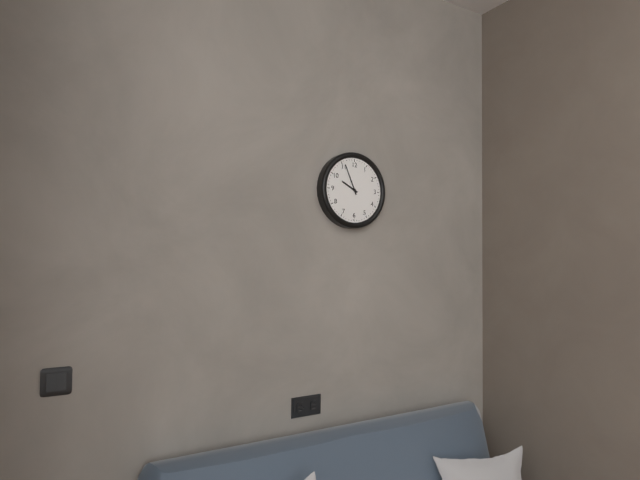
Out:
9.56
